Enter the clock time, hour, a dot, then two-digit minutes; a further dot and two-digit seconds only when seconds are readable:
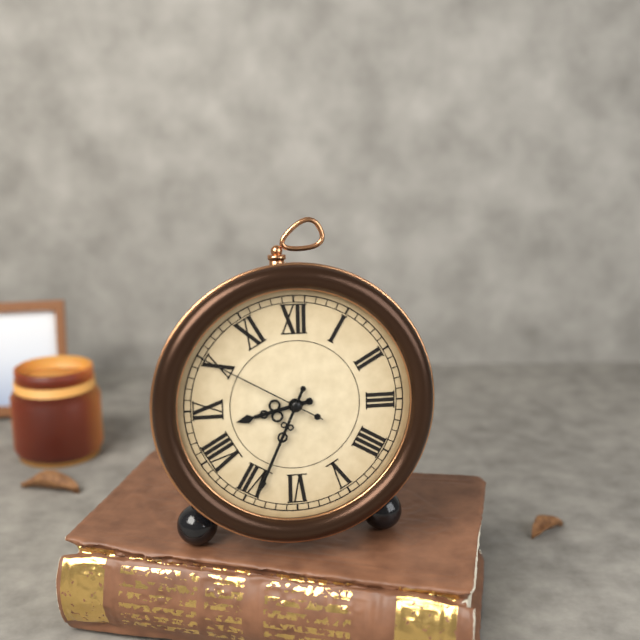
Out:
8.34.50
